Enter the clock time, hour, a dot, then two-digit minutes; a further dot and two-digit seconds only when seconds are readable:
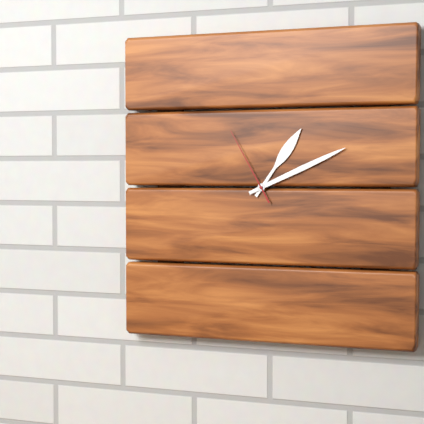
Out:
1.11.55
